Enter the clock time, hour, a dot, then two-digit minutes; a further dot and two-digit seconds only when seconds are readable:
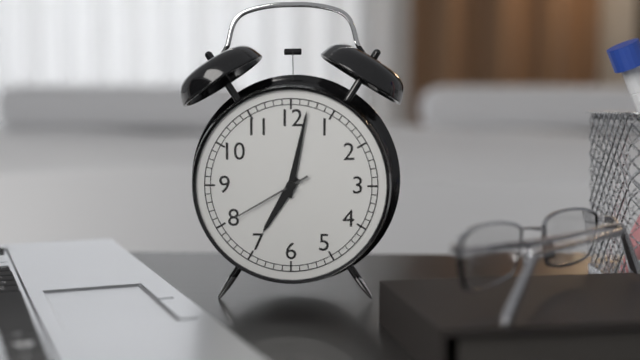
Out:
7.02.40
